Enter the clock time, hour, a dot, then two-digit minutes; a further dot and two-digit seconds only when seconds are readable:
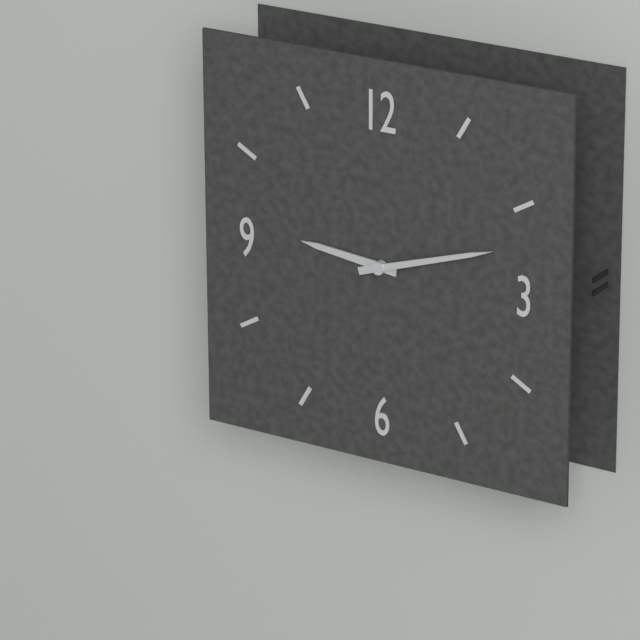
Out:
9.12
